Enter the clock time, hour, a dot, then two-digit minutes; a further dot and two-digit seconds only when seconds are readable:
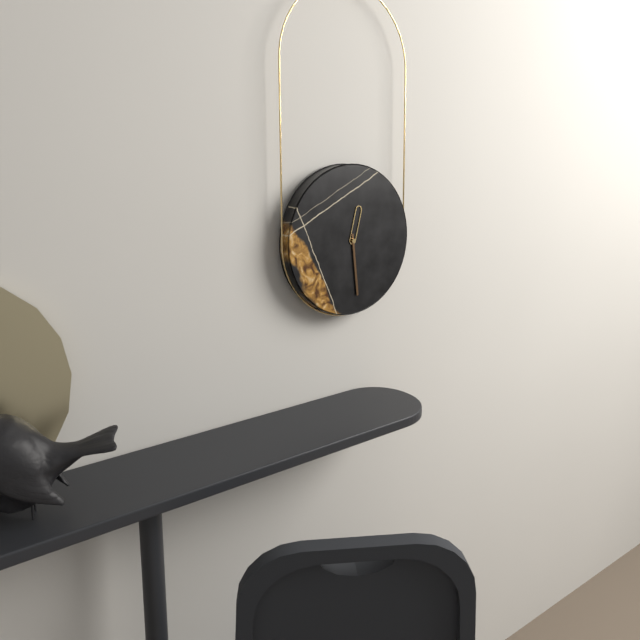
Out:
12.29
